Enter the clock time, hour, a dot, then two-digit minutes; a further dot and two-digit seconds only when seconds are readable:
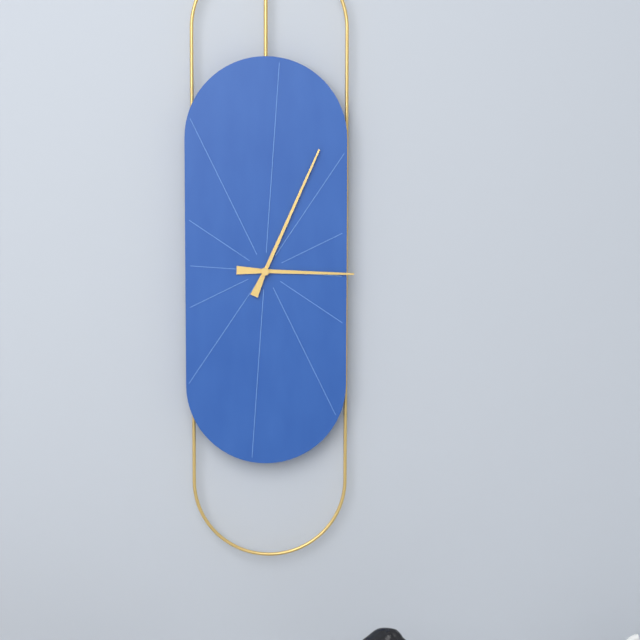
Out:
3.04
